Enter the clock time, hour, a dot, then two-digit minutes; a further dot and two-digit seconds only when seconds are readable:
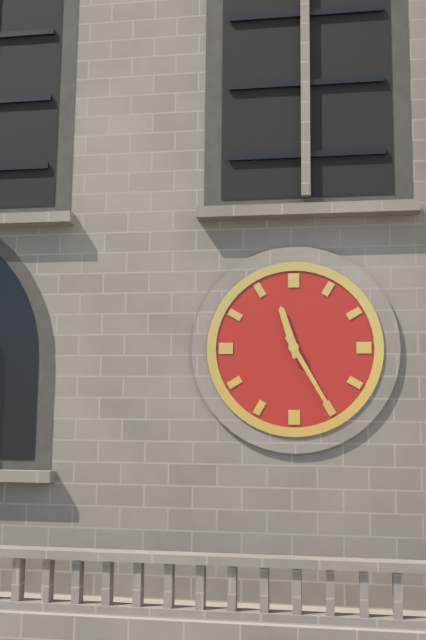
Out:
11.25
